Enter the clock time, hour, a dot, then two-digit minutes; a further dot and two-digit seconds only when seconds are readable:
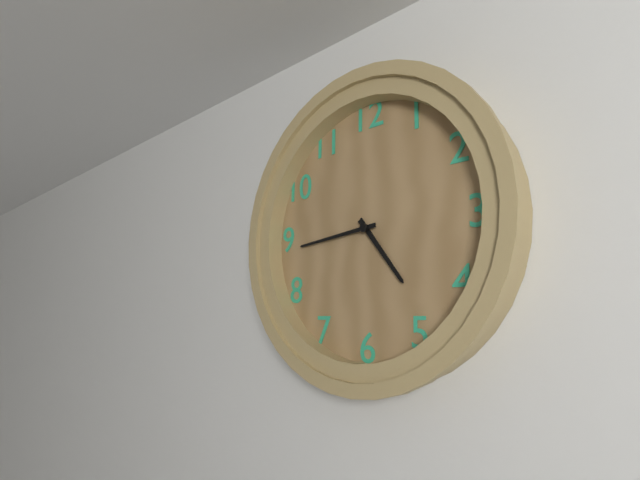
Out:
4.44
